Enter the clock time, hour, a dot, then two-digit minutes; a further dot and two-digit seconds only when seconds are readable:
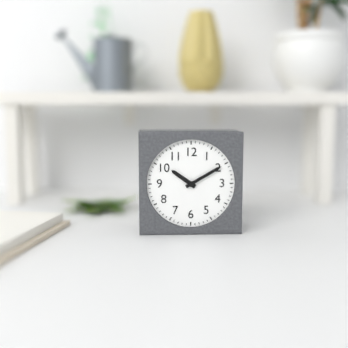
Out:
10.10
